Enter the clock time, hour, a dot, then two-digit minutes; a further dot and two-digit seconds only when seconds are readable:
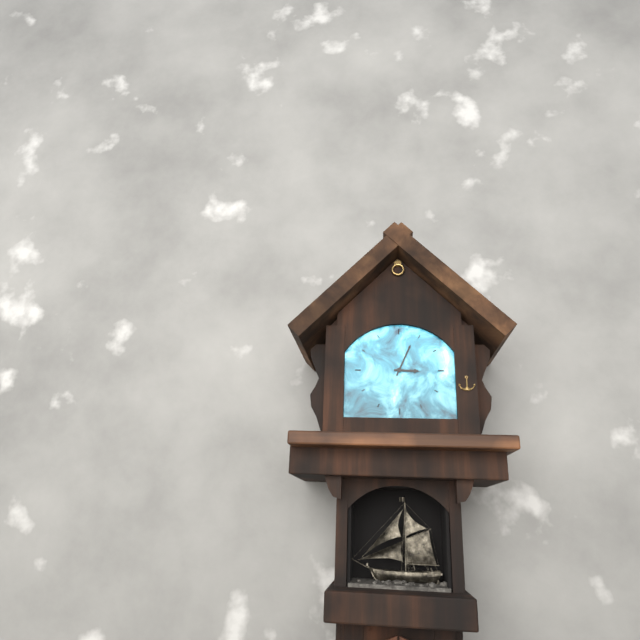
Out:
3.04
